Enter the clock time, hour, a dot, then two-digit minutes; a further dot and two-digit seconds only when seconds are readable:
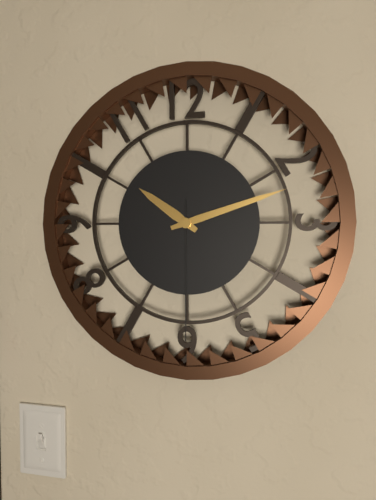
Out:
10.12.30
